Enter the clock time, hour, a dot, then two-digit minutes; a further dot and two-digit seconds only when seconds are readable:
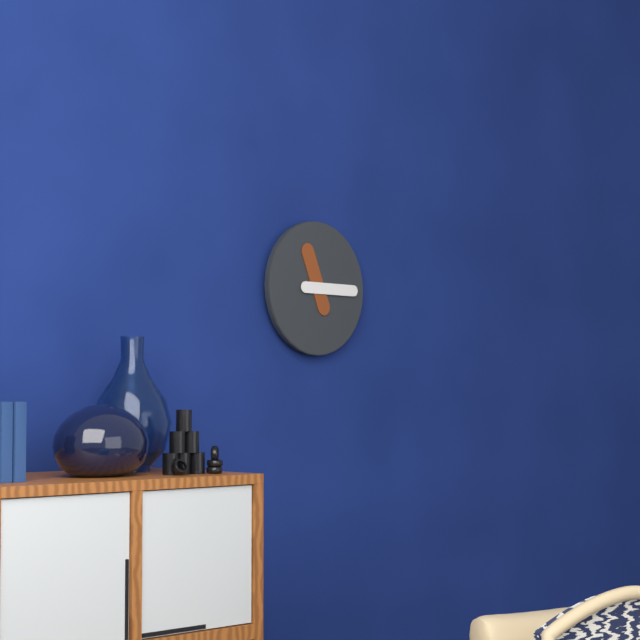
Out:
11.15
